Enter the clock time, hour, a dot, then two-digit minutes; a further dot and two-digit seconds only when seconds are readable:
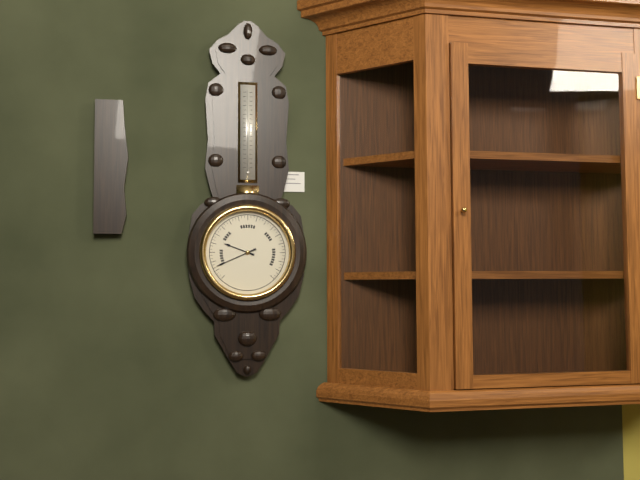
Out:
9.41
